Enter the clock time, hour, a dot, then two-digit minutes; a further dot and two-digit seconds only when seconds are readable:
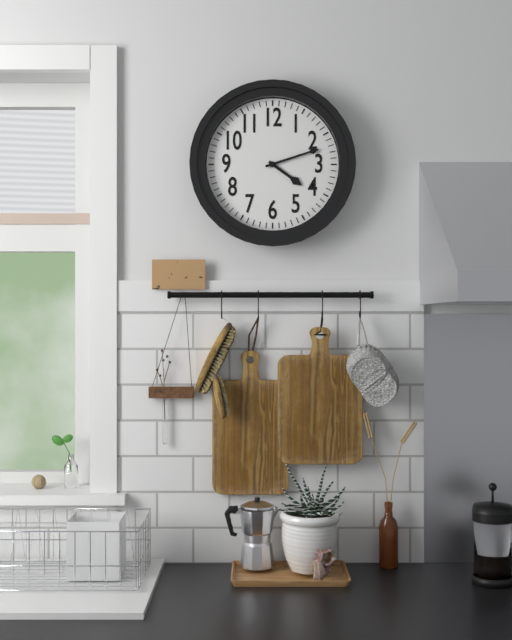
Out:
4.12
